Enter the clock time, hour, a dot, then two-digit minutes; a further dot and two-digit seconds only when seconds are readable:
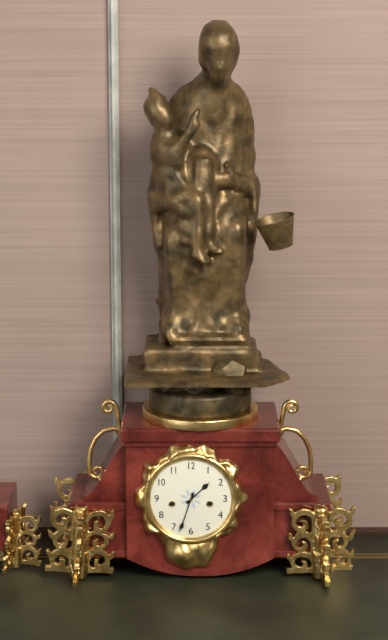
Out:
1.33
